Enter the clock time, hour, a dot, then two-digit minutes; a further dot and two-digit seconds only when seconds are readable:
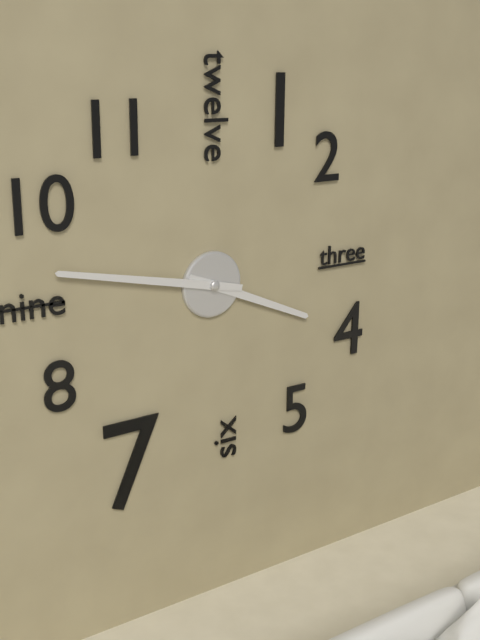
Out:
3.47
